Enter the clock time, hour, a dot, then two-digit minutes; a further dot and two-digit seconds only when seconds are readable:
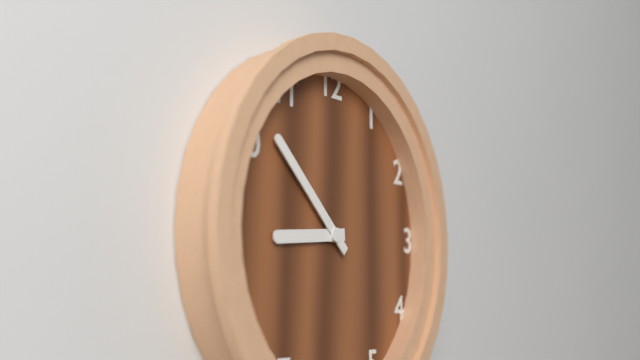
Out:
8.52
